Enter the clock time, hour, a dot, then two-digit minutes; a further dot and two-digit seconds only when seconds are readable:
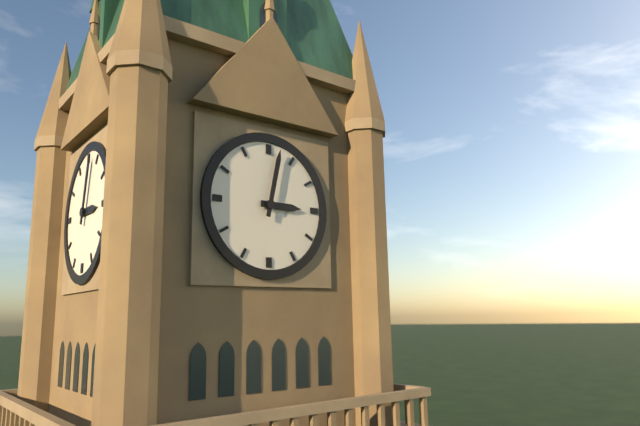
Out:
3.02
